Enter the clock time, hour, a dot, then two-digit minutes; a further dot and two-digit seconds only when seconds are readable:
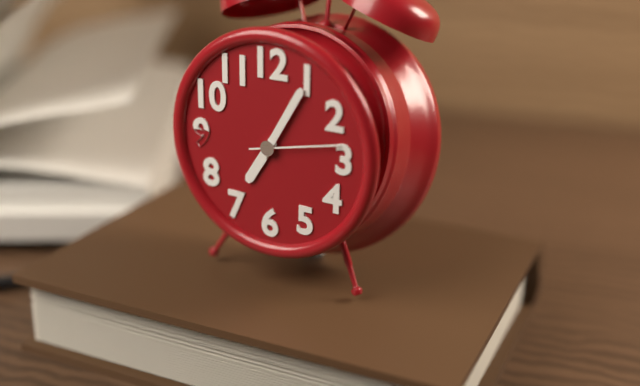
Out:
7.05.13
